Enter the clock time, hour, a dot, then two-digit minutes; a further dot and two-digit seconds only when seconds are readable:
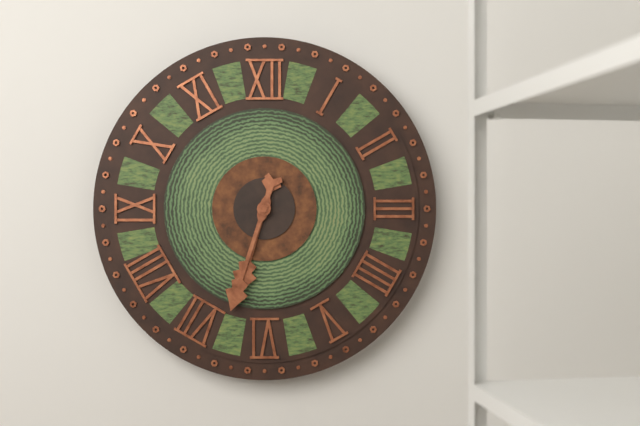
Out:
6.33
